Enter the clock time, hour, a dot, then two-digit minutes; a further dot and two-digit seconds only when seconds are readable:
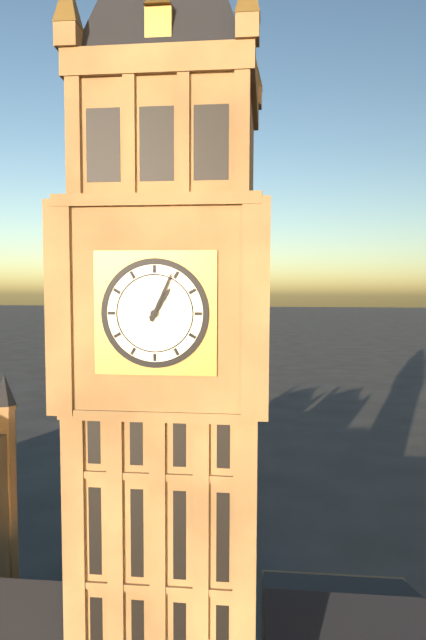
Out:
1.04
